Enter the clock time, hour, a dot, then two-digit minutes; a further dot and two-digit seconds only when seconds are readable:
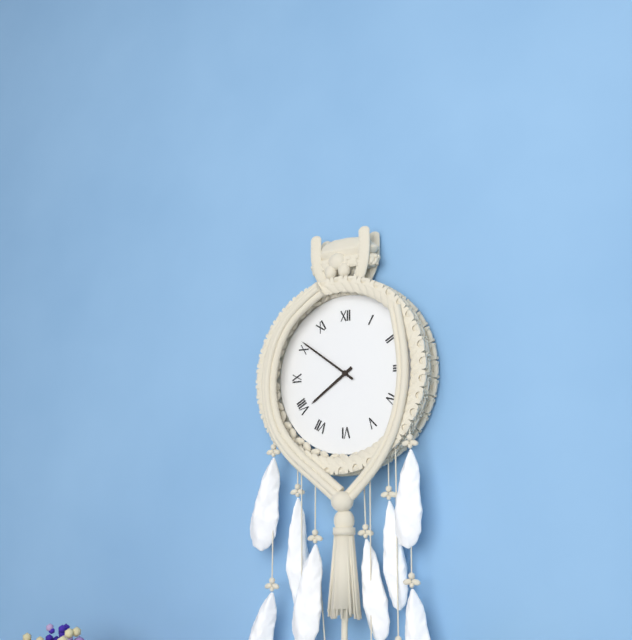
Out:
7.51
